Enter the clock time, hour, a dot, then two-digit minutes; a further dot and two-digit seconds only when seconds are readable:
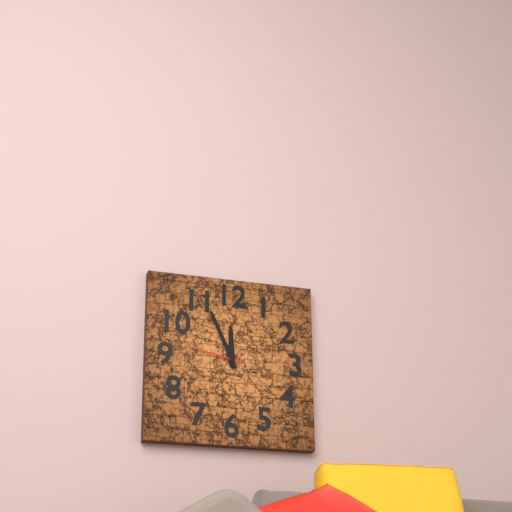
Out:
11.56.47
